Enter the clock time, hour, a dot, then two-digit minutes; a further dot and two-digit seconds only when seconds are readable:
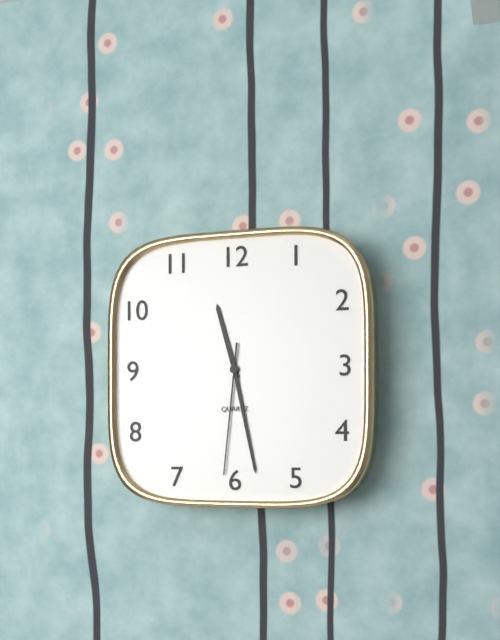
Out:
11.28.31
